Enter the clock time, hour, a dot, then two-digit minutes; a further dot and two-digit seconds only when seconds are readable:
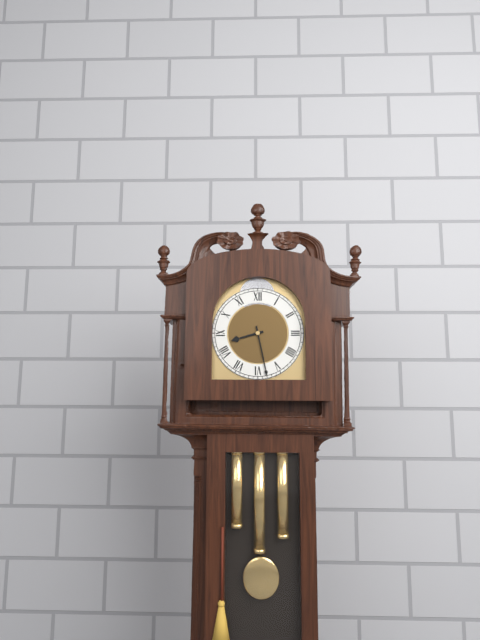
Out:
8.28
